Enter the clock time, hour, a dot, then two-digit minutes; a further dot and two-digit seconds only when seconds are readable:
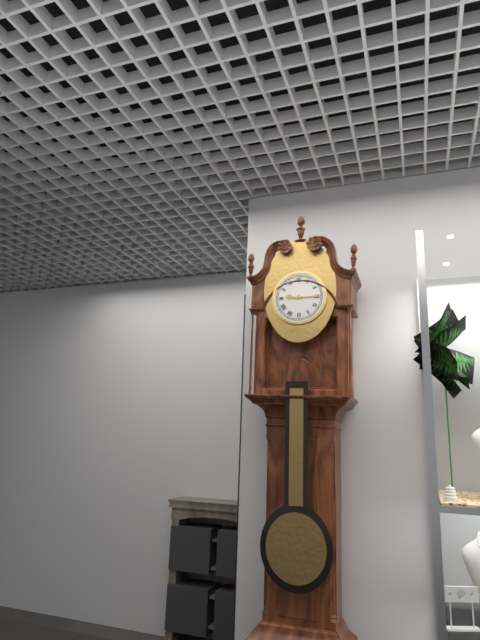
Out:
9.15
